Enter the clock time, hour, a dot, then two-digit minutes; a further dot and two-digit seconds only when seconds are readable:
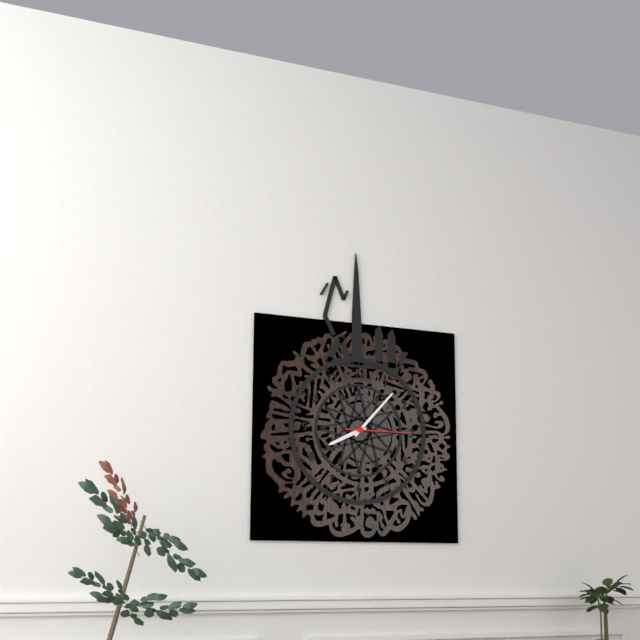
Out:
8.07.15
